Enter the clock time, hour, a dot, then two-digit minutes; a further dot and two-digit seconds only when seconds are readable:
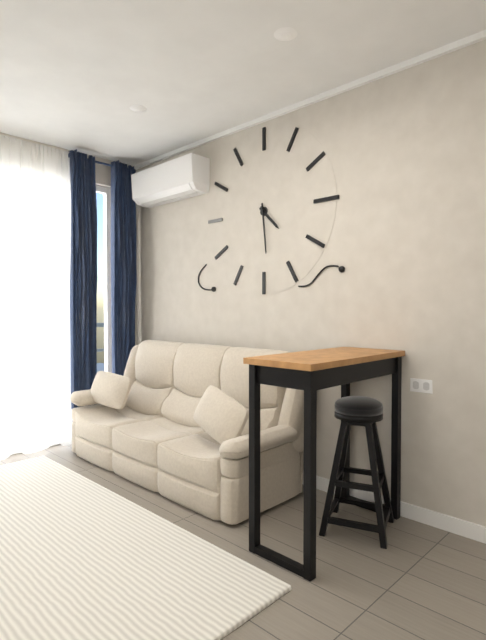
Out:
4.29
